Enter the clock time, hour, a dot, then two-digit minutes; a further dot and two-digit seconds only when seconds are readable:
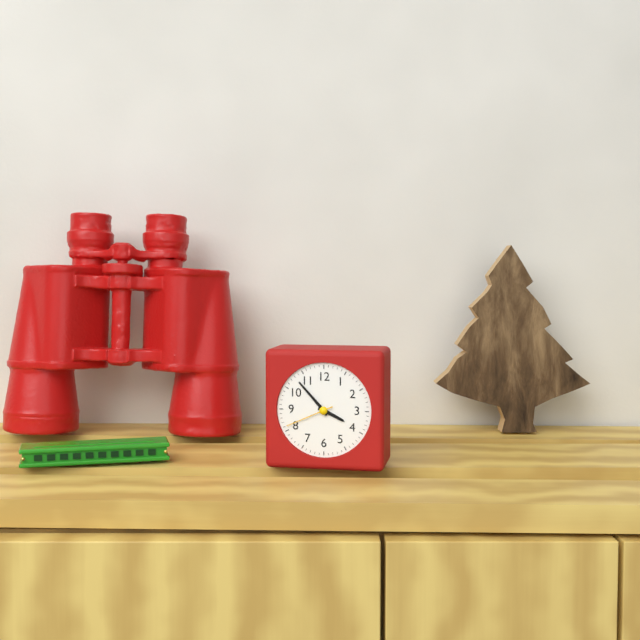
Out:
3.53.41
